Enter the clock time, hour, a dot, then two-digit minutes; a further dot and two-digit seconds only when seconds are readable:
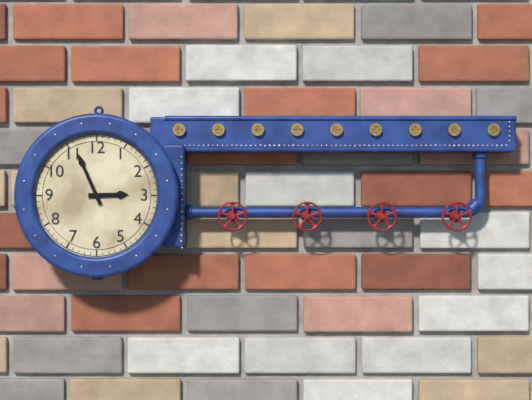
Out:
2.56
